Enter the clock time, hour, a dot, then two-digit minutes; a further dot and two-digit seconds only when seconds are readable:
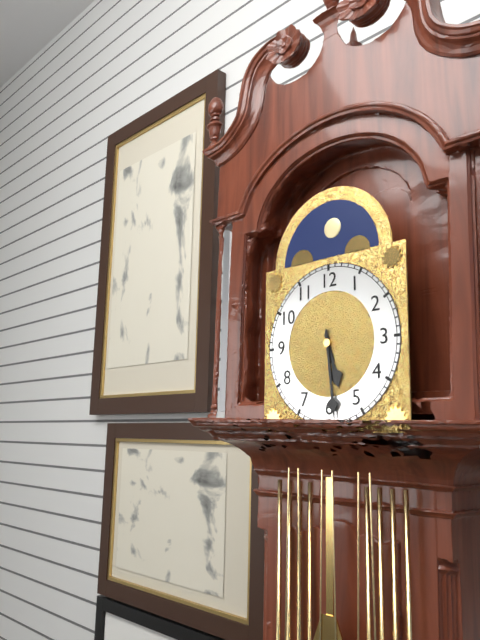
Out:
5.29
